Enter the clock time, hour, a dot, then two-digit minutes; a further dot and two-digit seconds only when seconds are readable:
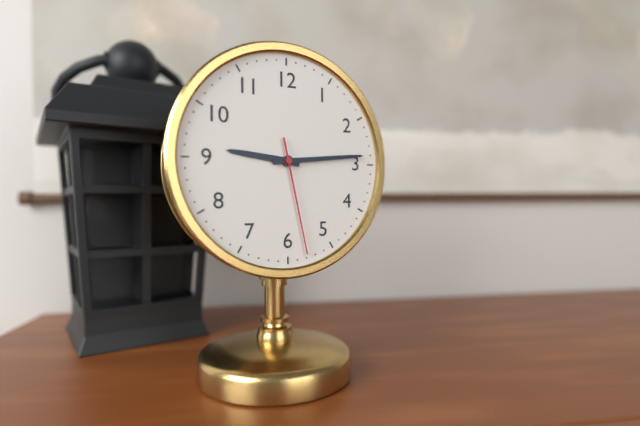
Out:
9.14.28
